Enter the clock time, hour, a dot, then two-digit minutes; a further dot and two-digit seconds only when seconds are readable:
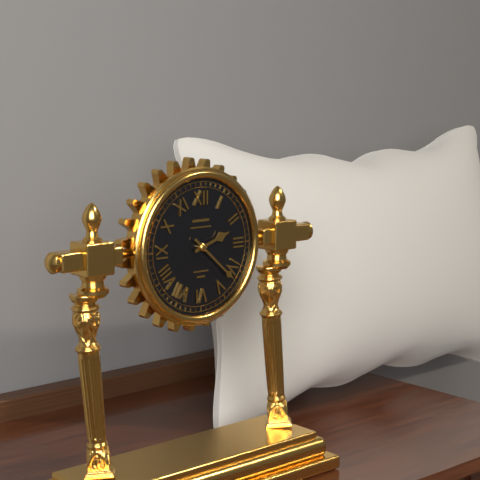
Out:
2.22
